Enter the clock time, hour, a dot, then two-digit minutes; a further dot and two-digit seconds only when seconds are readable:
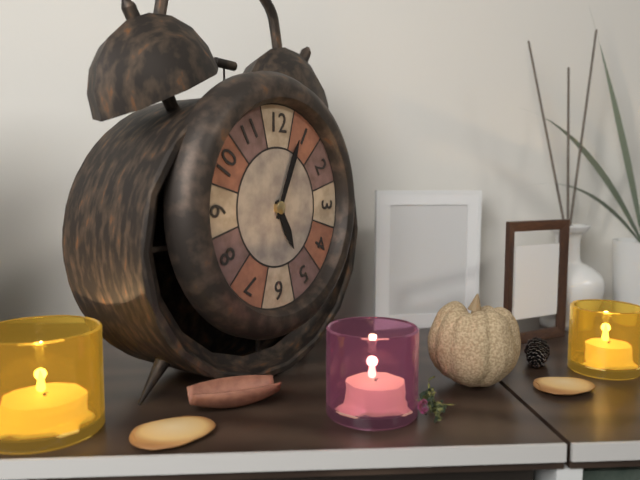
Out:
5.04
